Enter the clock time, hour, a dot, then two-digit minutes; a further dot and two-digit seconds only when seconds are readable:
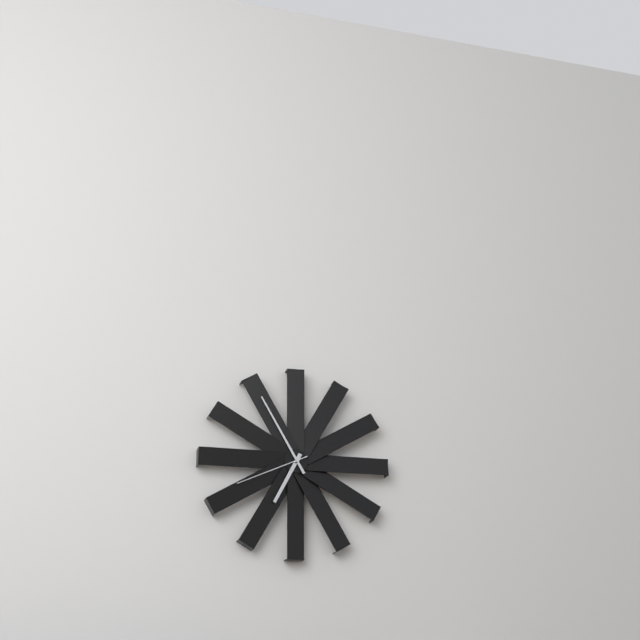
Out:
6.55.41
